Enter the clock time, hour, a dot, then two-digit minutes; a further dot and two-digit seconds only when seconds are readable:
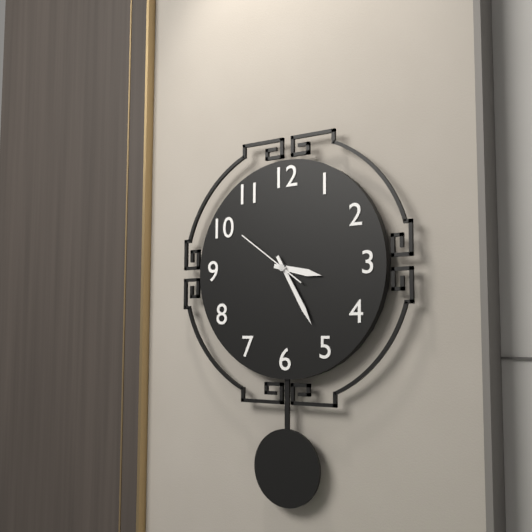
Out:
3.25.51
